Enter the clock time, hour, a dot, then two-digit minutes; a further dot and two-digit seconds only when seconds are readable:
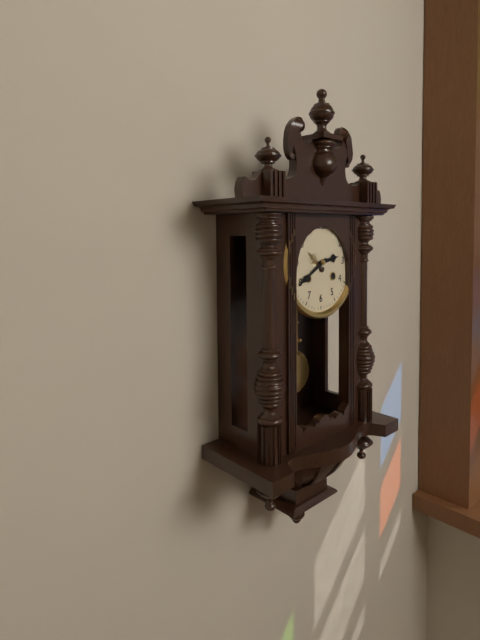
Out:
2.40
